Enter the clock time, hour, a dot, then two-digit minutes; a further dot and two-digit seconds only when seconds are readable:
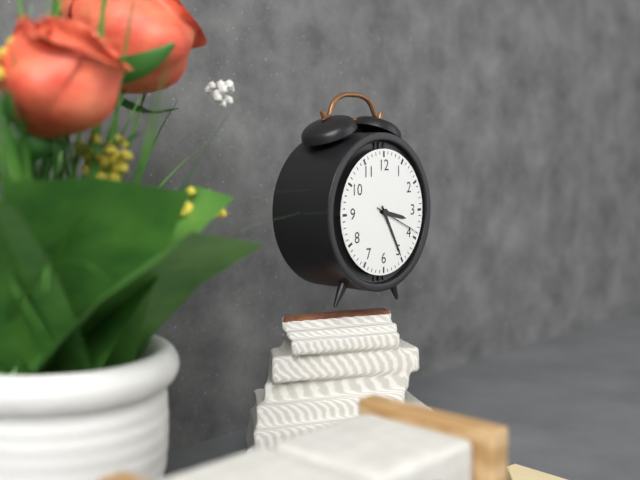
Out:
3.25
